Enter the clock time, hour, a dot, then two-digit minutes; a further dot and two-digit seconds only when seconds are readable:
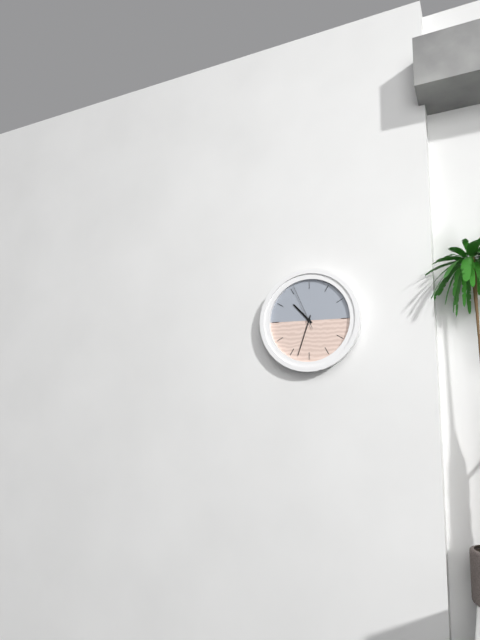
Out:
10.33
